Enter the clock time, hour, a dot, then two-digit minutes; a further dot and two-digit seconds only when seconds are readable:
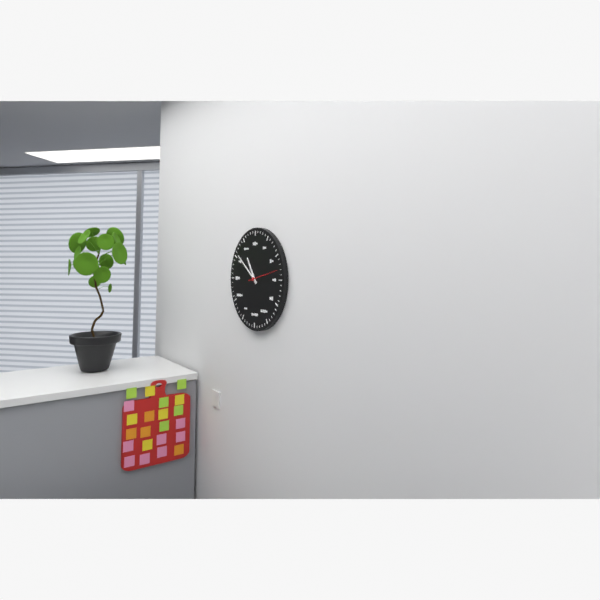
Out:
10.51
